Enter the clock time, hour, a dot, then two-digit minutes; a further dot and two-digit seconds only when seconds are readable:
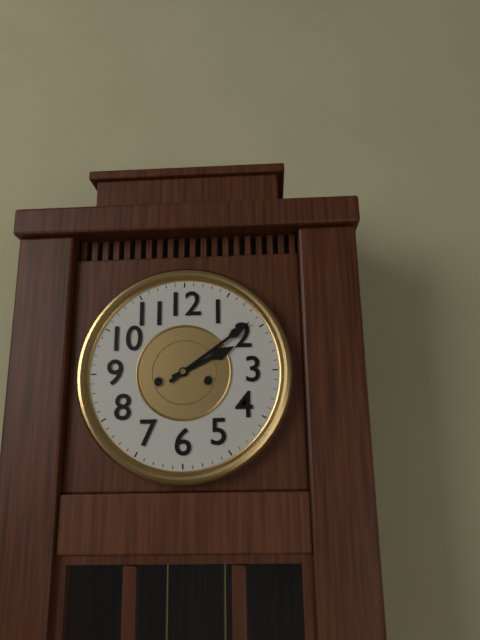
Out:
2.09
